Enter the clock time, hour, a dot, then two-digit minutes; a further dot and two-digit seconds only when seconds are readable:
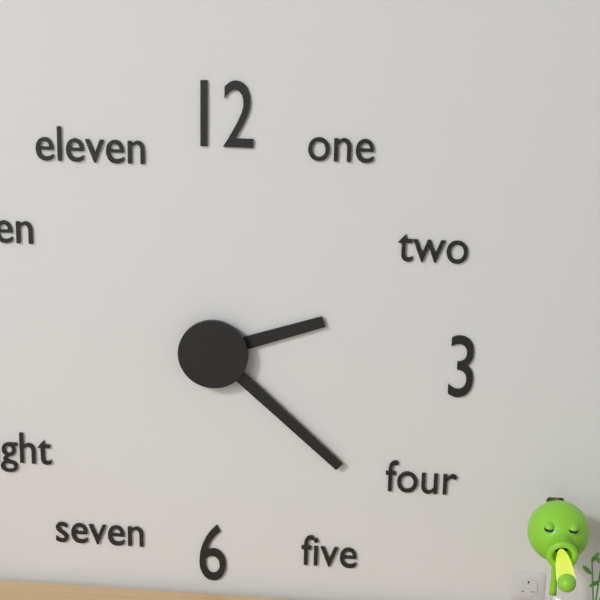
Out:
2.22
